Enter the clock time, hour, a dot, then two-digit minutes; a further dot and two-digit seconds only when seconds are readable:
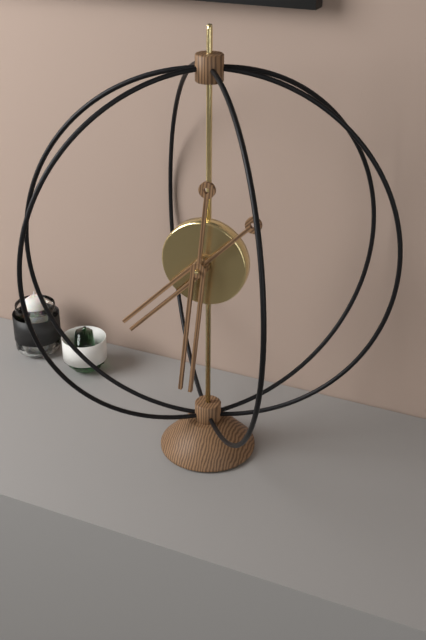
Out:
7.31
